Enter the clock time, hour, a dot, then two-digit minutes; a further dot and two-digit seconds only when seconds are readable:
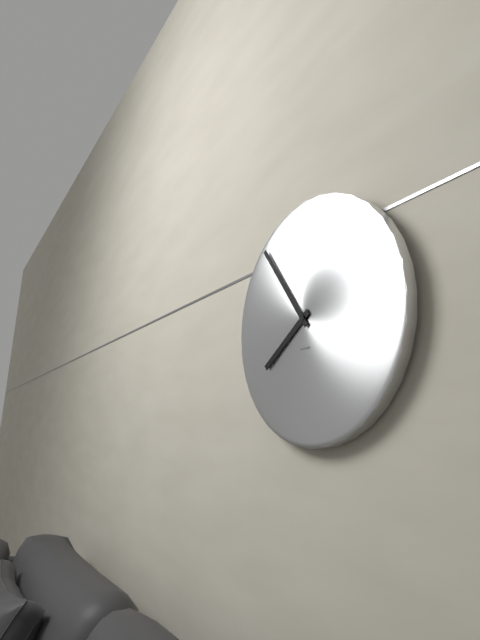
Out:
7.54
